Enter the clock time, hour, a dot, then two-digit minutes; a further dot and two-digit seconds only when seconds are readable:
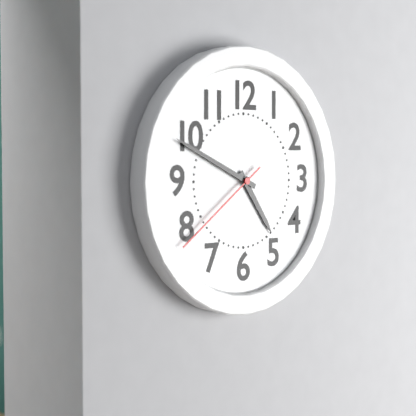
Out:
4.49.39
